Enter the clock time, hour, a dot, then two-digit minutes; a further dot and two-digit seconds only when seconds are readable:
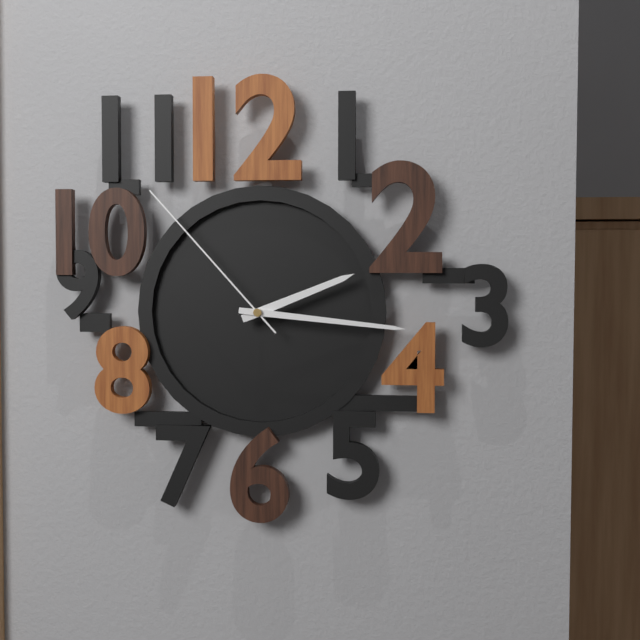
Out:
2.16.53
